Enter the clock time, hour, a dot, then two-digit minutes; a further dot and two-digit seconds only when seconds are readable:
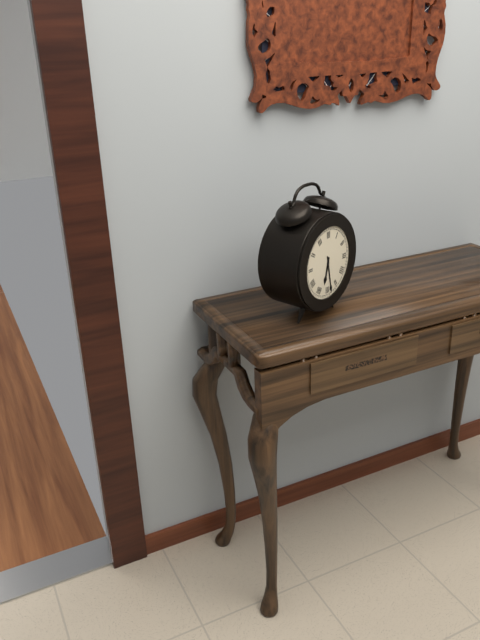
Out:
6.28
